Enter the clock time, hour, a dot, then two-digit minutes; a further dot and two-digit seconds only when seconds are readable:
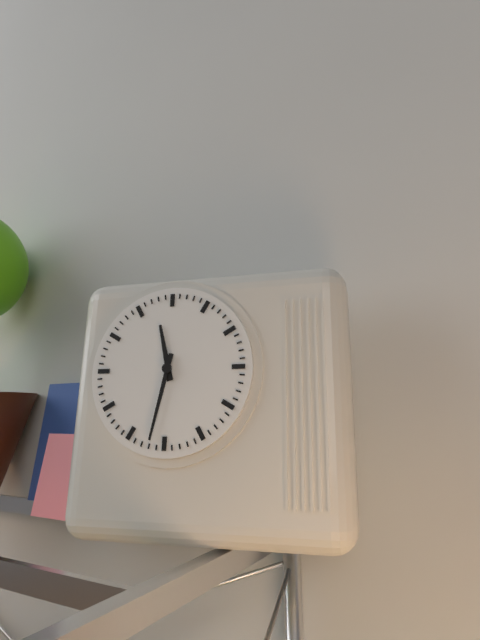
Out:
11.32
